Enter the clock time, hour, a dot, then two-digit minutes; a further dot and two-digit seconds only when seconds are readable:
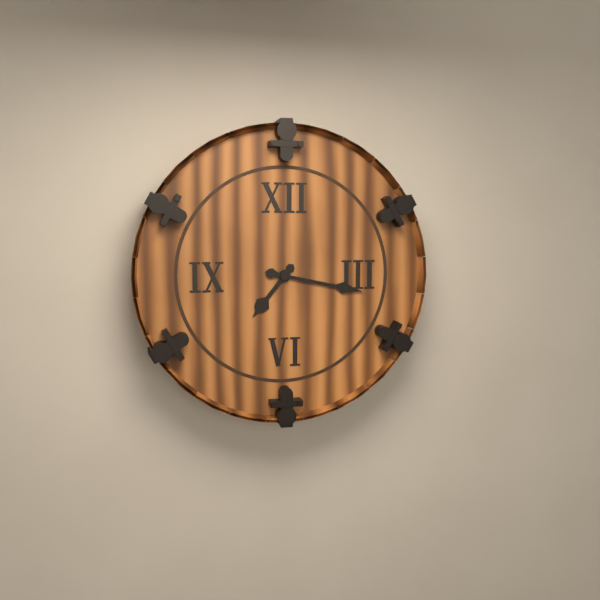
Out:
7.17
